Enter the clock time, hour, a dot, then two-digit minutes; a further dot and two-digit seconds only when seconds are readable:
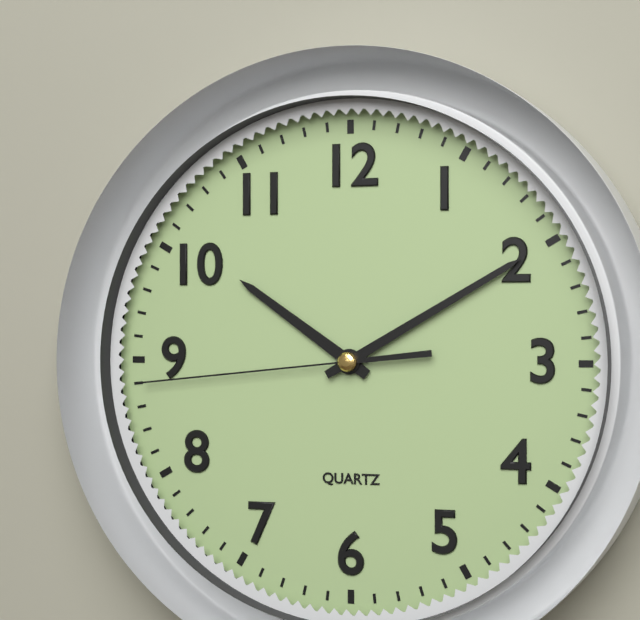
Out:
10.10.44
